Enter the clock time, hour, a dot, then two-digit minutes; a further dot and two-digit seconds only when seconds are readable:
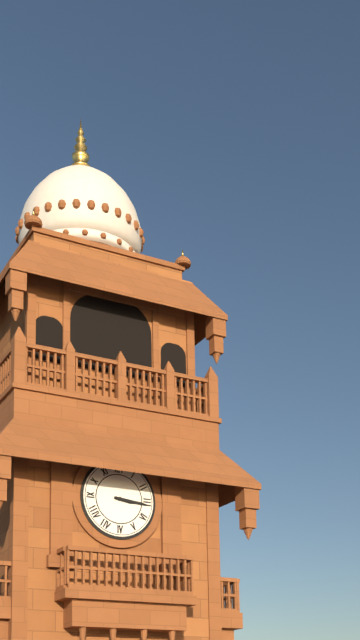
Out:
3.16
